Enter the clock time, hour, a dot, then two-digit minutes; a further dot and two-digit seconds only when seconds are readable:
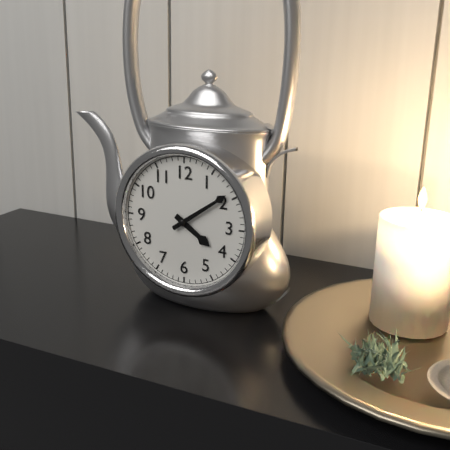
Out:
4.09
